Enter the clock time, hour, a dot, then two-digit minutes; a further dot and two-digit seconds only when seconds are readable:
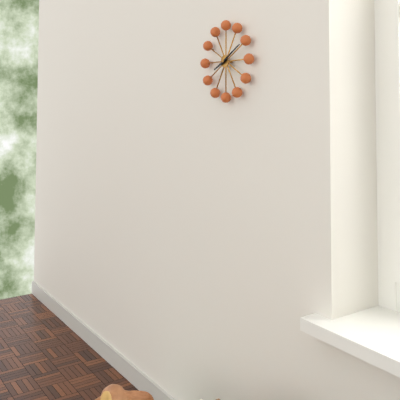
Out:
8.10
